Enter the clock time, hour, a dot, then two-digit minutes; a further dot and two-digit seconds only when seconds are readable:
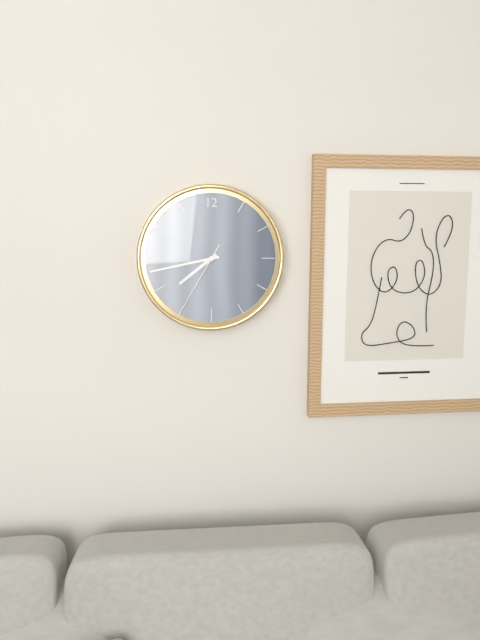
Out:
7.43.35
